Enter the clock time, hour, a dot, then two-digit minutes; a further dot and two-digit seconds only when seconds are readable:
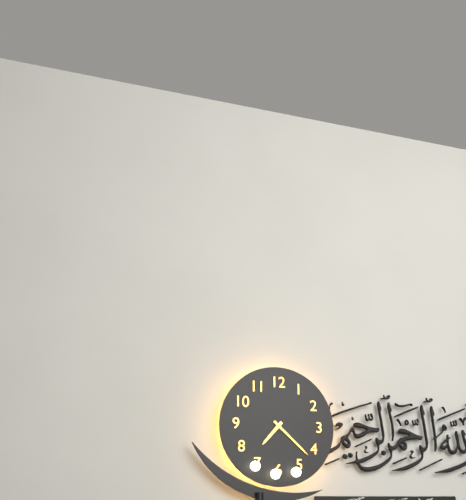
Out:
7.22
